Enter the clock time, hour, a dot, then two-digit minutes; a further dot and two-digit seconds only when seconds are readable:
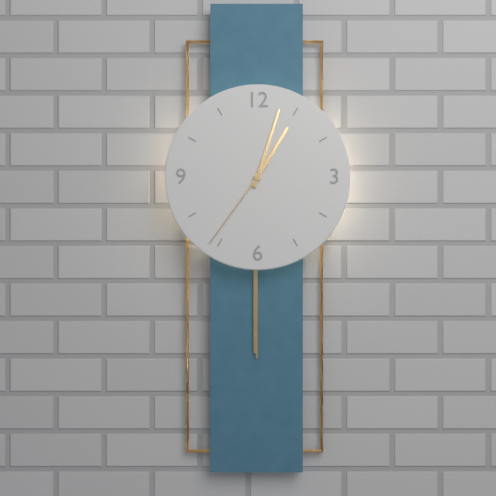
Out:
1.03.36
